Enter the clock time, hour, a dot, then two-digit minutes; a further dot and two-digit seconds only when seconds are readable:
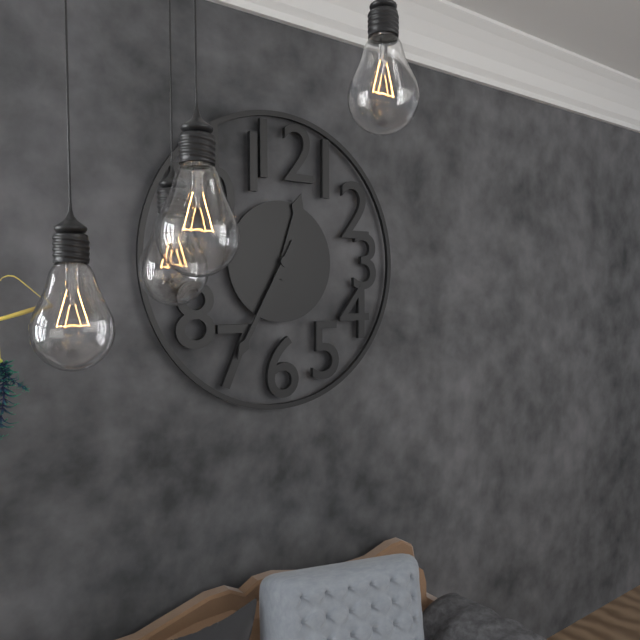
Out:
12.35
